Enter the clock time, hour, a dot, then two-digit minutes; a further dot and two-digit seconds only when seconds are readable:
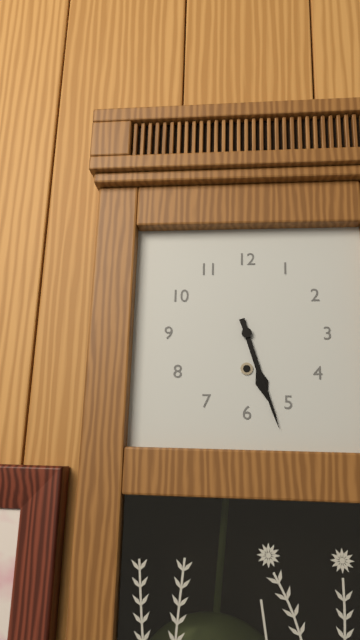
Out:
5.27
